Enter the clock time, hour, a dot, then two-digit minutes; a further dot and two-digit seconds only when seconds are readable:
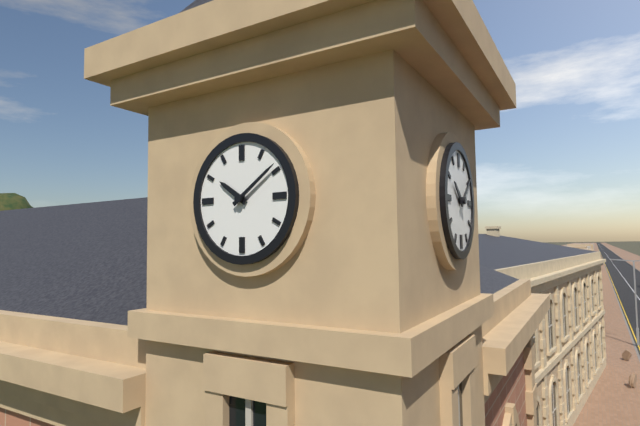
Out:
10.09
